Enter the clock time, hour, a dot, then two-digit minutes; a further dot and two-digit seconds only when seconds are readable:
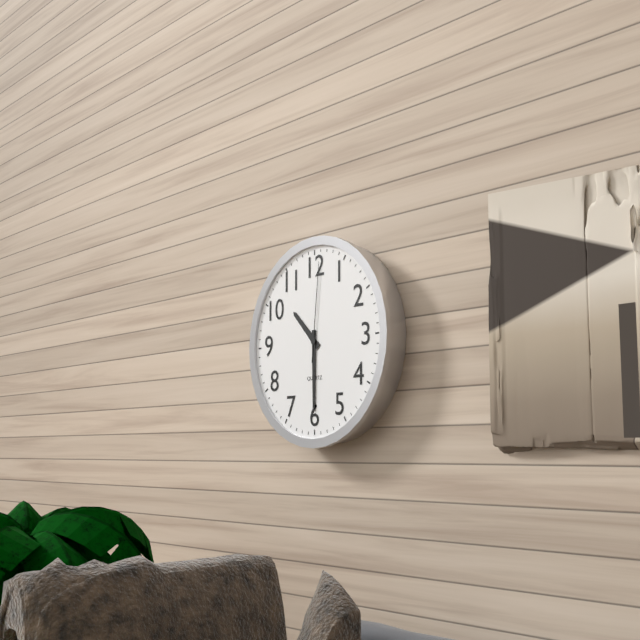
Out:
10.30.01
